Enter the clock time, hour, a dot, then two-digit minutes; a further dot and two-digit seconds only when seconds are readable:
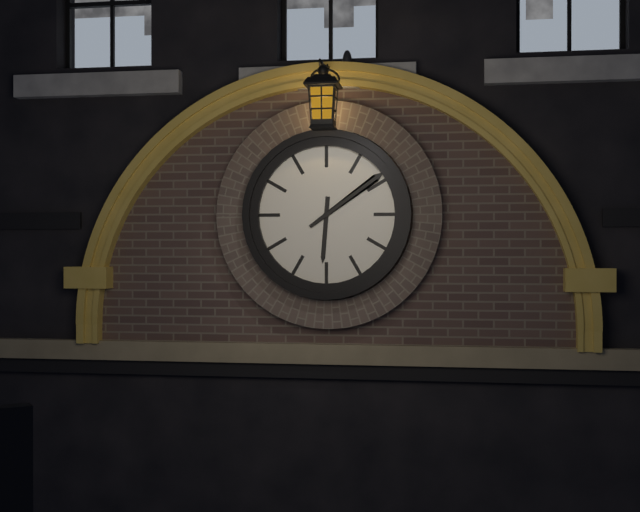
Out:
6.09
